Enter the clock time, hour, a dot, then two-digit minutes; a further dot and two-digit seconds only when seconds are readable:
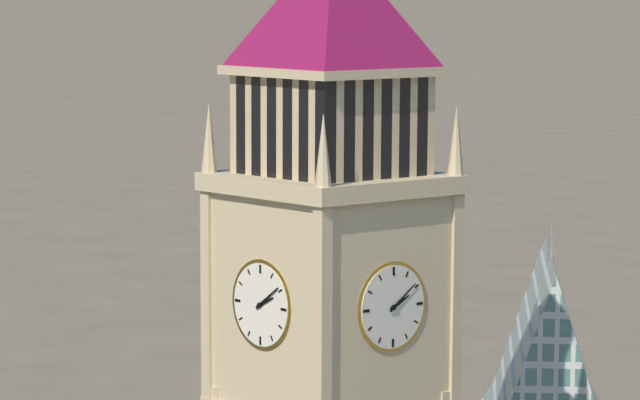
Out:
2.09
